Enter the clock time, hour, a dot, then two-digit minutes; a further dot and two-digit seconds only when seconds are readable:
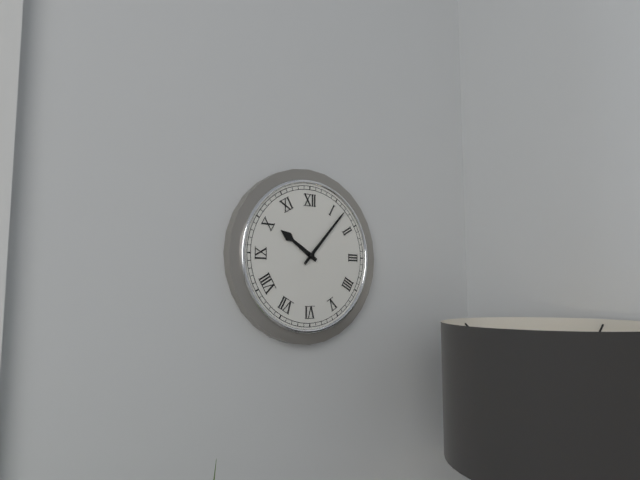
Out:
10.07
